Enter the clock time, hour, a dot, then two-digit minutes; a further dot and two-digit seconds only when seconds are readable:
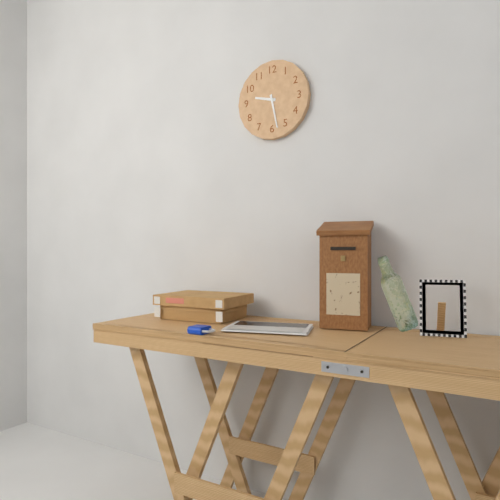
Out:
9.28
